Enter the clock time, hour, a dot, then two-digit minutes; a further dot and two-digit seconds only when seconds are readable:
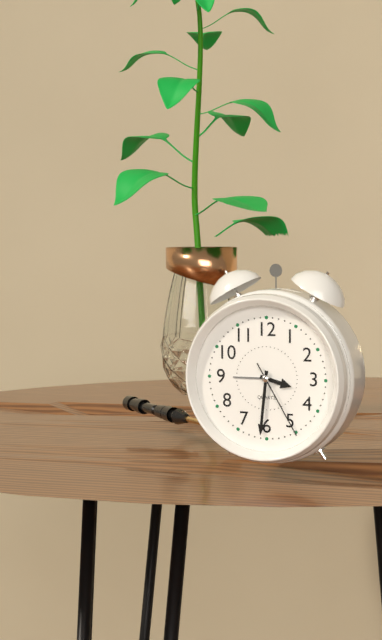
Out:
3.31.25
